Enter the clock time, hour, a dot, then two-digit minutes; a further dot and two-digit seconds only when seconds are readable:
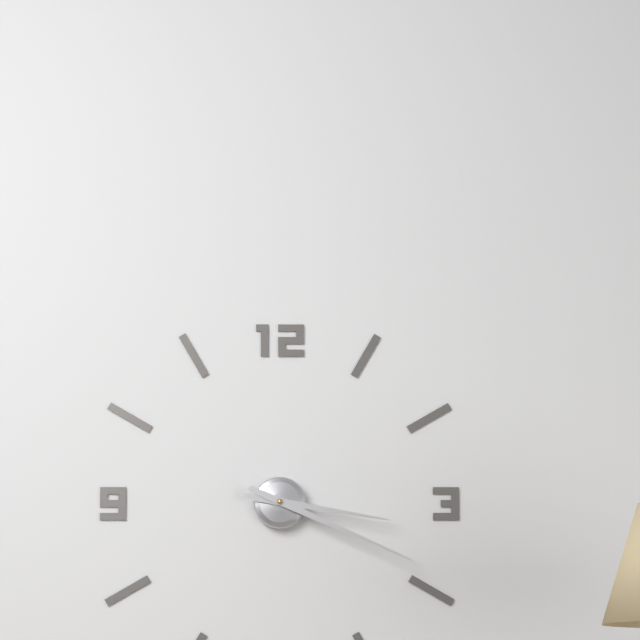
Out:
3.19
